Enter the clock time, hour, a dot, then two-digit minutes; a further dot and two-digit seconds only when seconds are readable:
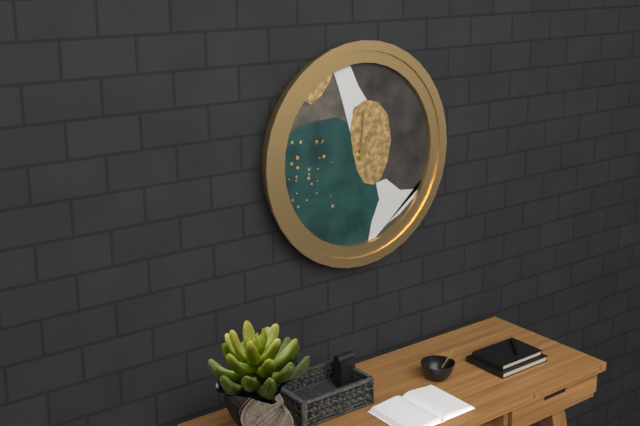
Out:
1.01
